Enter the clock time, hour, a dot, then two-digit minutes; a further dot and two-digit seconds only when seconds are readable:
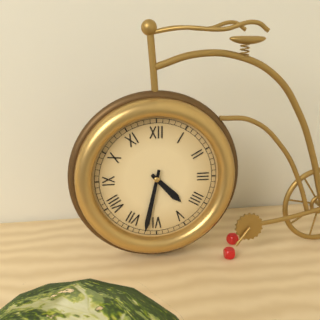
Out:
4.32
